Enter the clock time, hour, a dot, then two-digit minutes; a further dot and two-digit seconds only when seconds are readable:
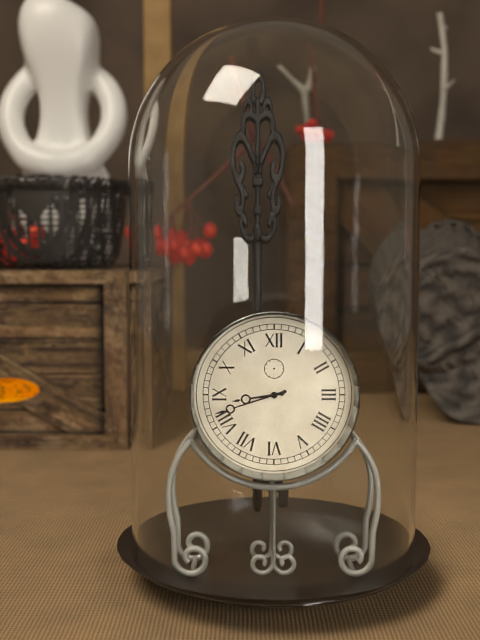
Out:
8.42
